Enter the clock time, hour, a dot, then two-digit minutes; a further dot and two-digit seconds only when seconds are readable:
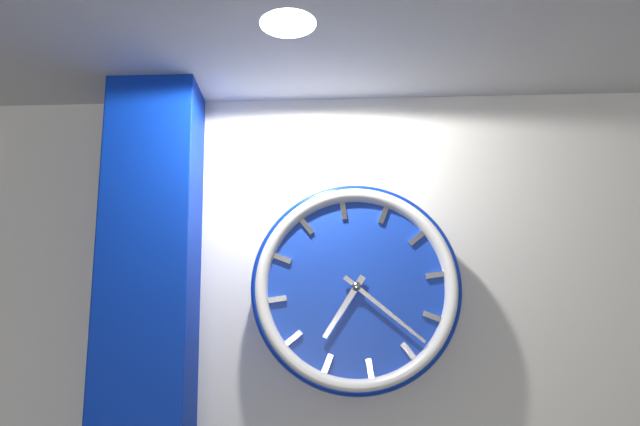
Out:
7.23
